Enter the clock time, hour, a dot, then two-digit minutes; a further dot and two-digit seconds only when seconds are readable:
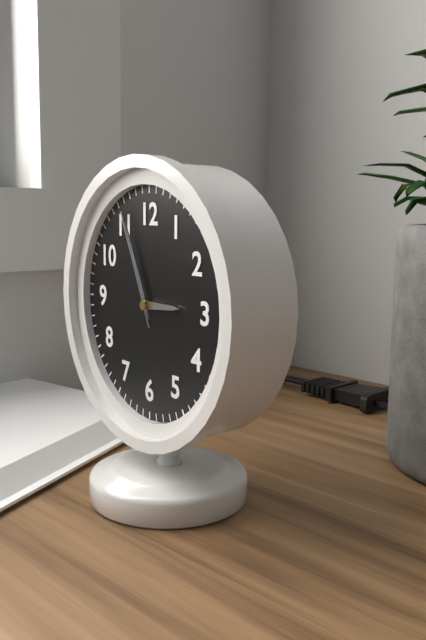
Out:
2.56.56
